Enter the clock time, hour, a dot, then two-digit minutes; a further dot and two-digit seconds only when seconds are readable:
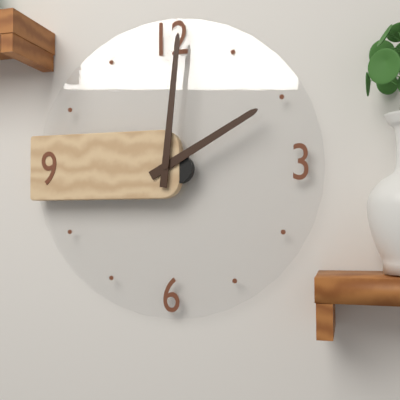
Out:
2.01
